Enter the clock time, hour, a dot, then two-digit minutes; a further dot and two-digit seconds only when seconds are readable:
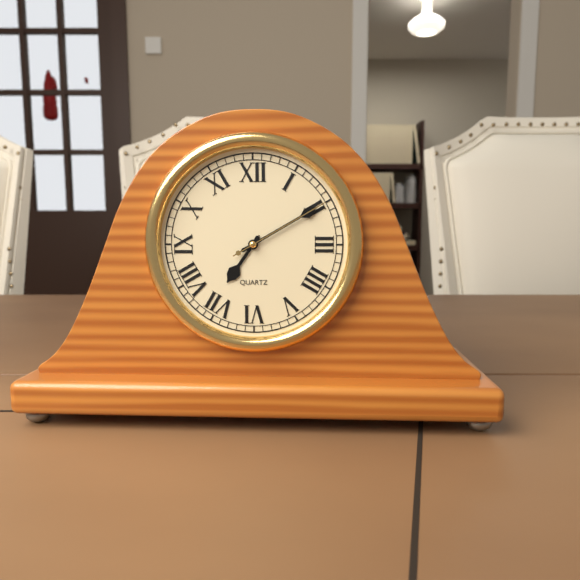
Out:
7.10.10
